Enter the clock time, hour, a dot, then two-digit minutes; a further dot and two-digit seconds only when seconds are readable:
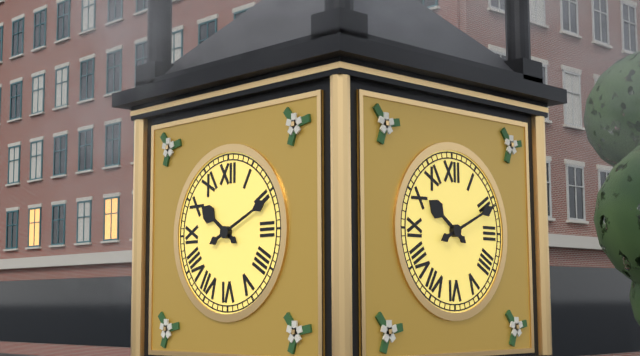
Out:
10.11
